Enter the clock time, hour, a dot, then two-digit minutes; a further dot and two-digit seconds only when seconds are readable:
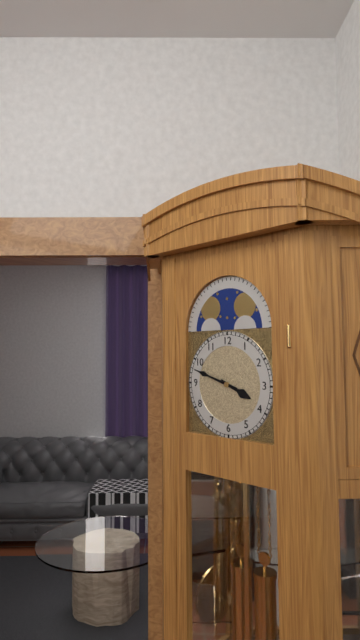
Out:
3.48
